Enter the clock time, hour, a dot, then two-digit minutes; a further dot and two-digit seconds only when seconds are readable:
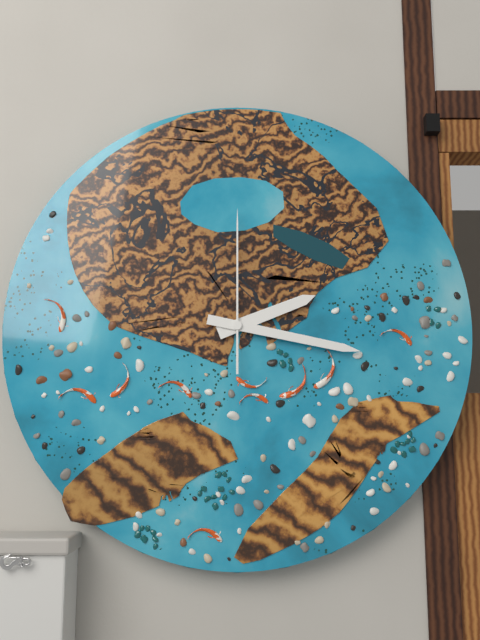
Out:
2.17.00
